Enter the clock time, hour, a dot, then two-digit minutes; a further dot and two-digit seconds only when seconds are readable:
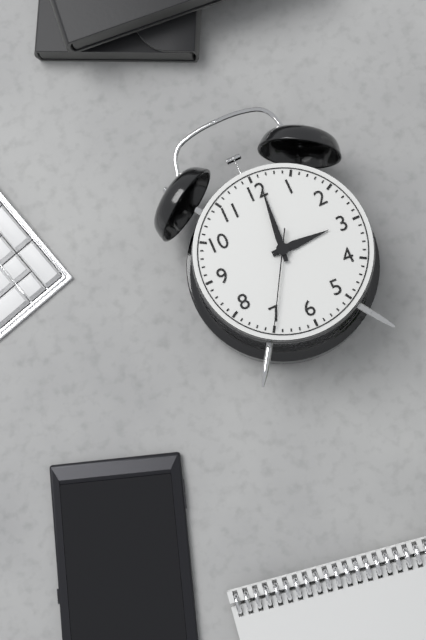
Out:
3.01.35
